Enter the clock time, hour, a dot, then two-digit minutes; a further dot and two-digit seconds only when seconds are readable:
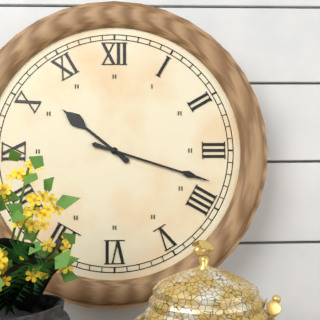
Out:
10.18
